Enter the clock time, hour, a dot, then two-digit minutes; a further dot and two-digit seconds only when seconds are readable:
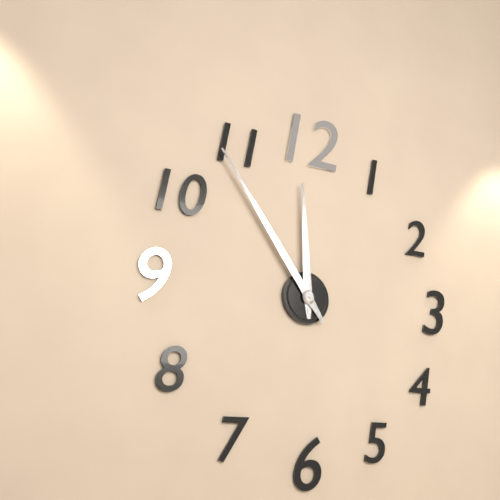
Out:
11.54
